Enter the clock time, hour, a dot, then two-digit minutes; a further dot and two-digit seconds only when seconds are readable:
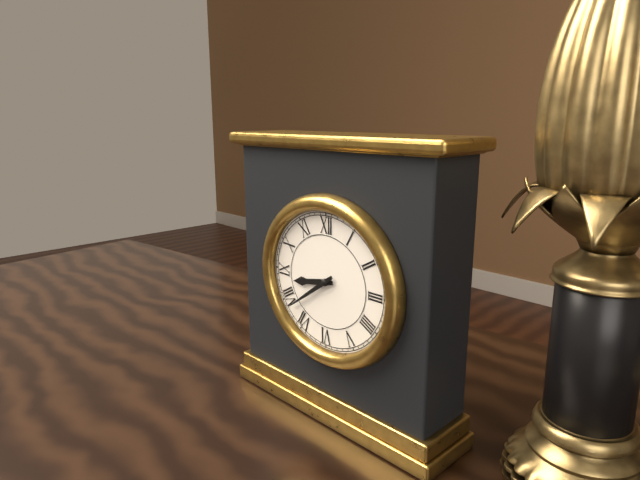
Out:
8.39
